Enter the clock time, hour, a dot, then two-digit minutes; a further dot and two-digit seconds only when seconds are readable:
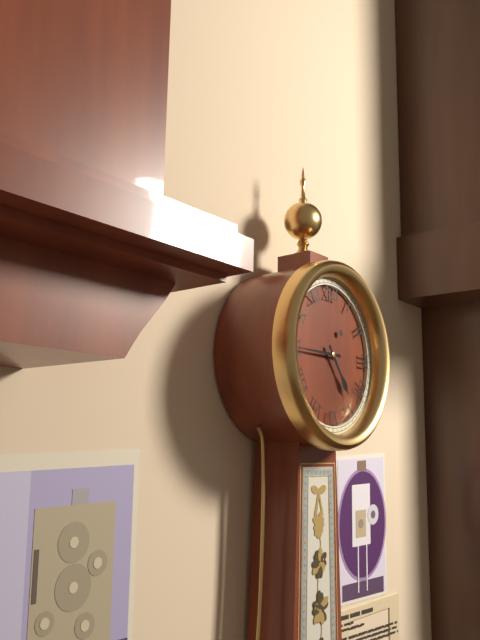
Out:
4.45
